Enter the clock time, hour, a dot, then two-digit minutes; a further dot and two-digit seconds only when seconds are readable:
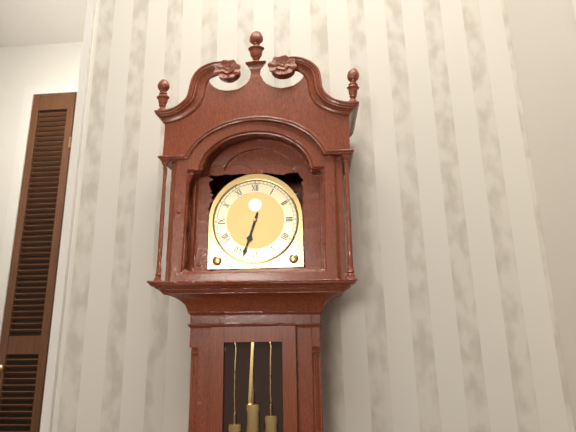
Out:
6.33
